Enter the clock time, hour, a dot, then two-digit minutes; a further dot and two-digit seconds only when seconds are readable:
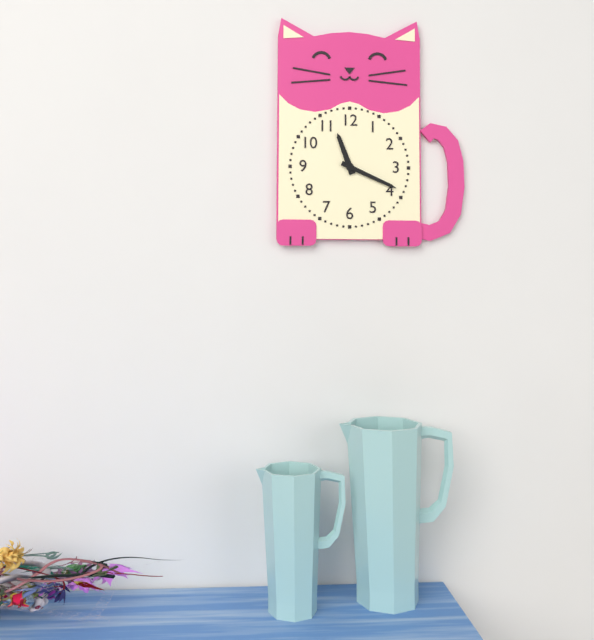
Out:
11.19
